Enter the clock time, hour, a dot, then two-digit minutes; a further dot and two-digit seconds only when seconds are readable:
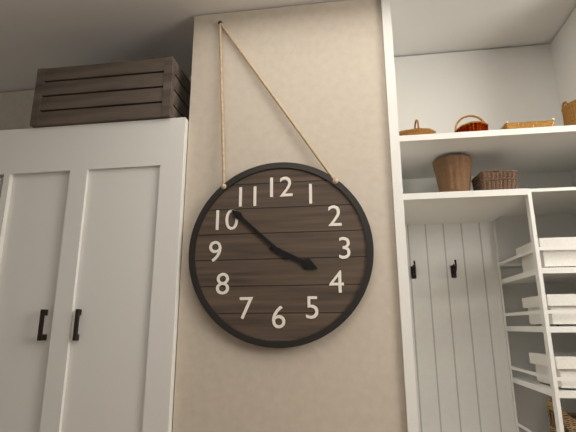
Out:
3.52
